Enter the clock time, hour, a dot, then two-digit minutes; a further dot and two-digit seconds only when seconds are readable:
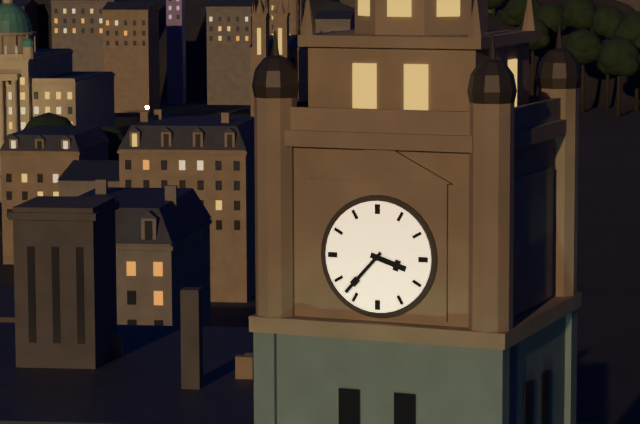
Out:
3.37
